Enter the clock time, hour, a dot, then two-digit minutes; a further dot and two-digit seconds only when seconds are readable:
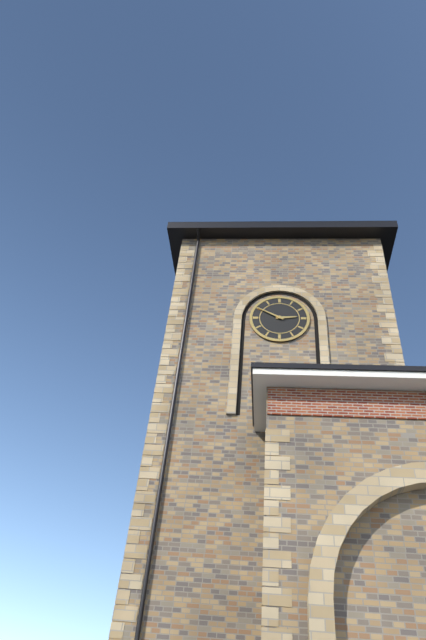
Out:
2.50
